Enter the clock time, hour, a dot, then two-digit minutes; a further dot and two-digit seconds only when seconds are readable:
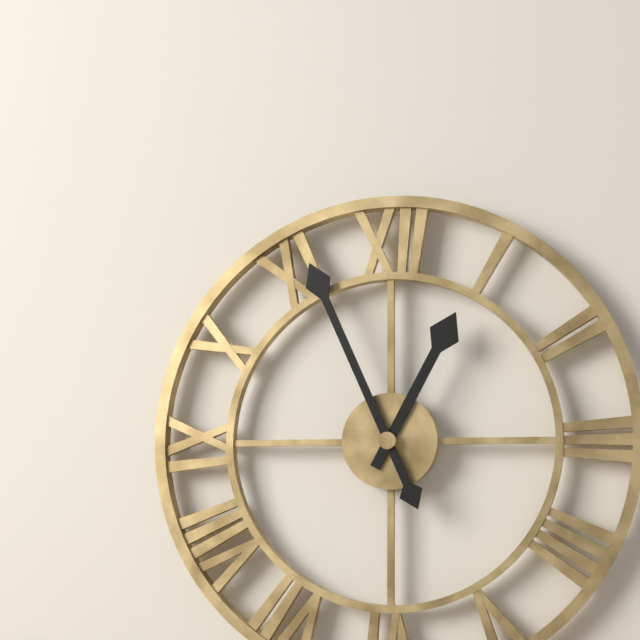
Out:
12.56
